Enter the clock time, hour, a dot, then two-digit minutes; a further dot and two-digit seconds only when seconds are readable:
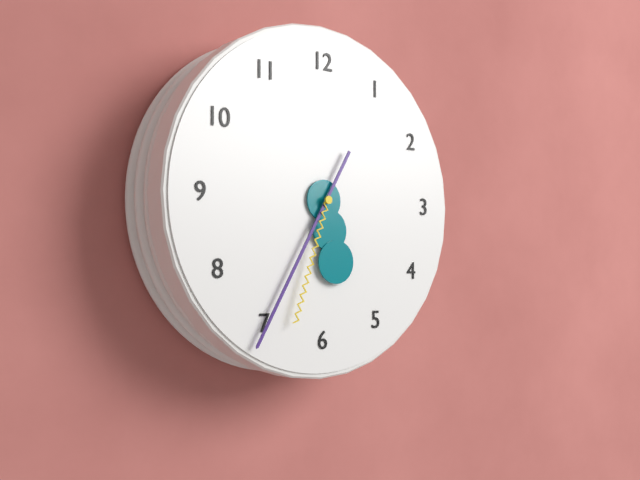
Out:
5.35.33
